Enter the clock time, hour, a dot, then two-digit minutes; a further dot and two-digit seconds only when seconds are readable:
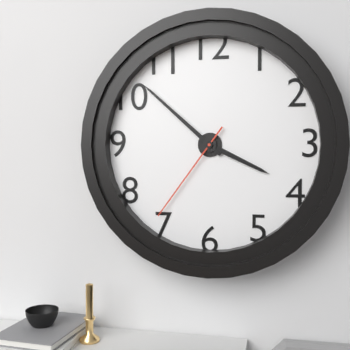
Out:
3.52.36
